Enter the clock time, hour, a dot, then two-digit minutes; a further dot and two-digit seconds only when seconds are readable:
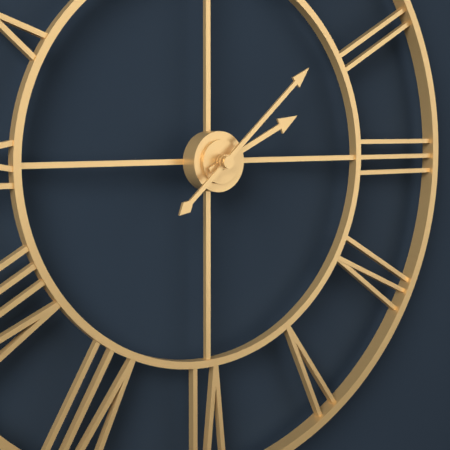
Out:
2.08
